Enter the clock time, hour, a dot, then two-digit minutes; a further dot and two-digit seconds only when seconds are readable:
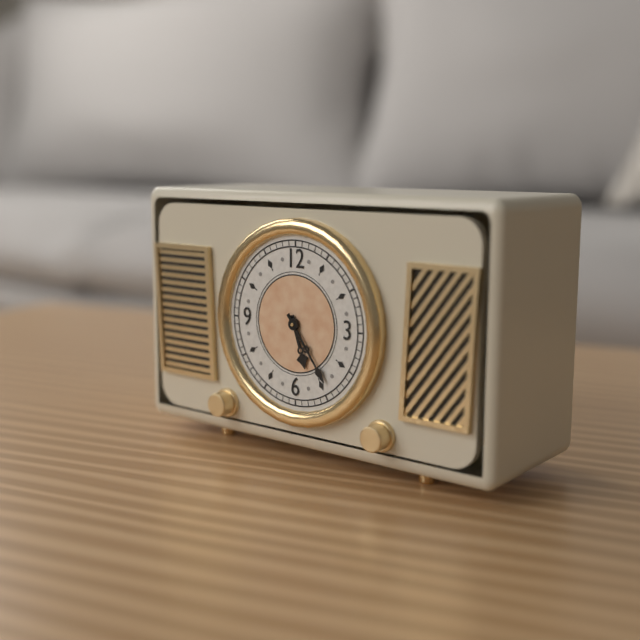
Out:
5.24
